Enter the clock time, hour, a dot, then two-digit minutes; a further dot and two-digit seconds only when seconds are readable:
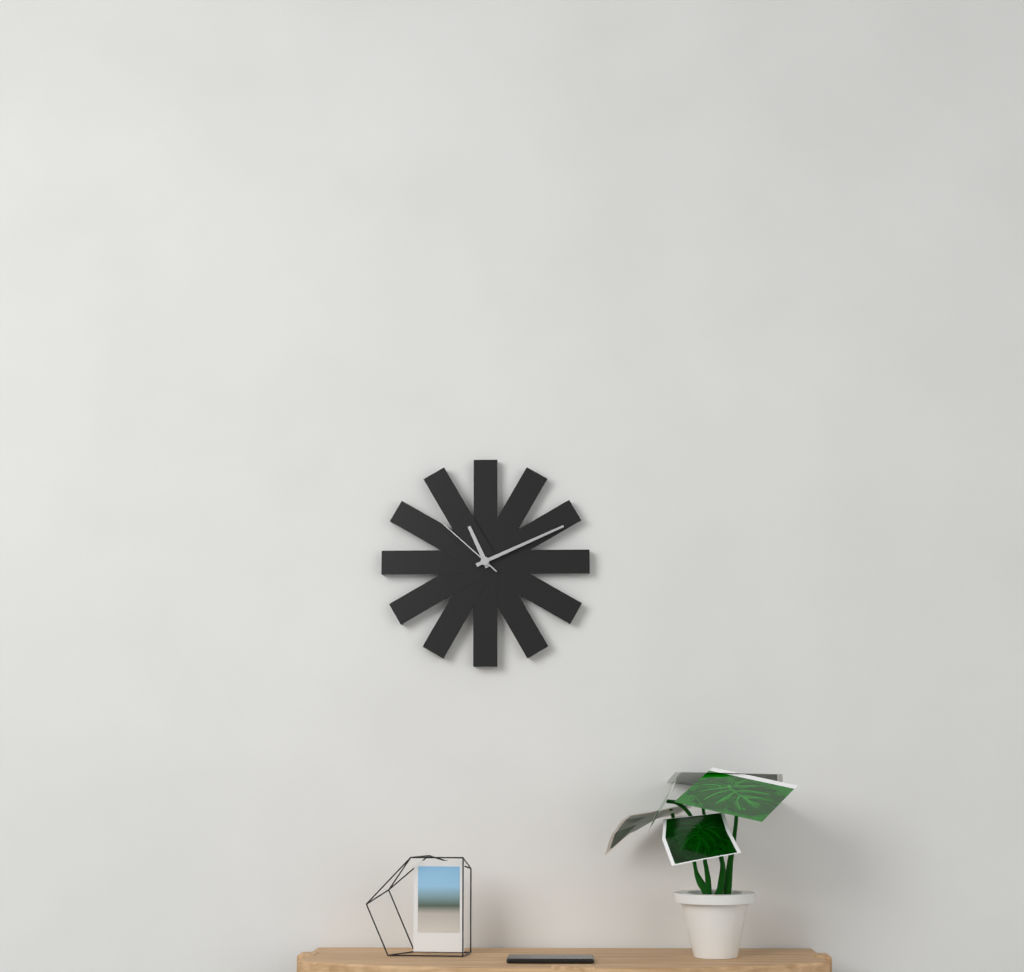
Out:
11.11.52
